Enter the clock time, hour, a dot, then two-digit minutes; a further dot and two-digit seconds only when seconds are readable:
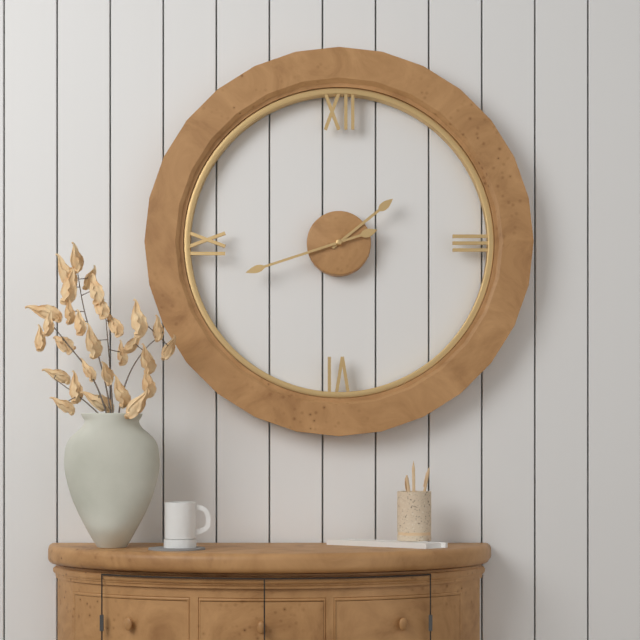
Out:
1.42
